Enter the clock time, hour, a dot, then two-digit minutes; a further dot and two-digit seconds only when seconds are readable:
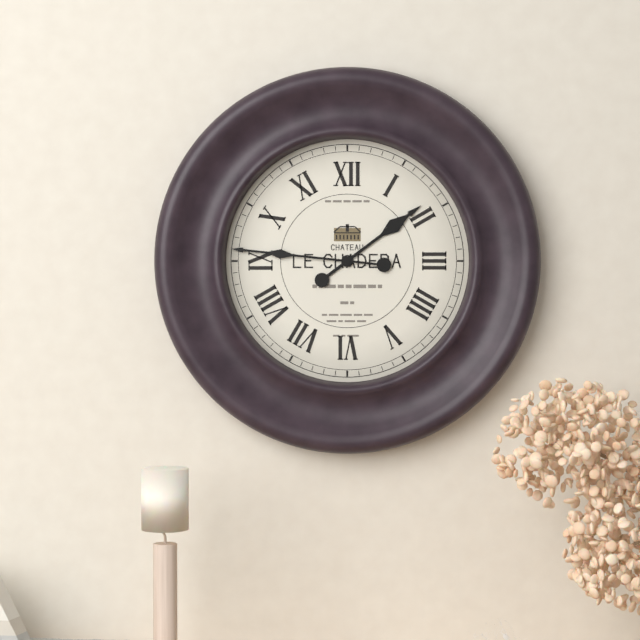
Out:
1.46
